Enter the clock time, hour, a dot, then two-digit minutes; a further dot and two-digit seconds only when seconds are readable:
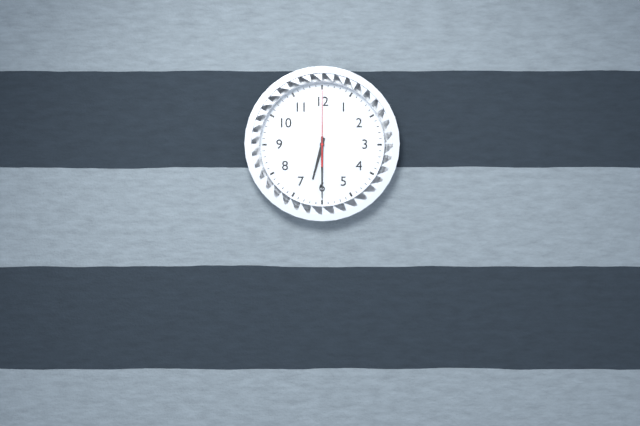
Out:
6.30.00
